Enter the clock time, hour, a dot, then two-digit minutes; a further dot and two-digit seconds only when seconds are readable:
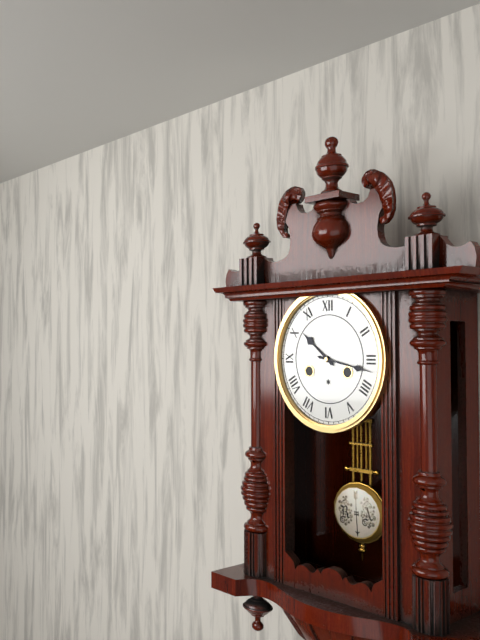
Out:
10.17
